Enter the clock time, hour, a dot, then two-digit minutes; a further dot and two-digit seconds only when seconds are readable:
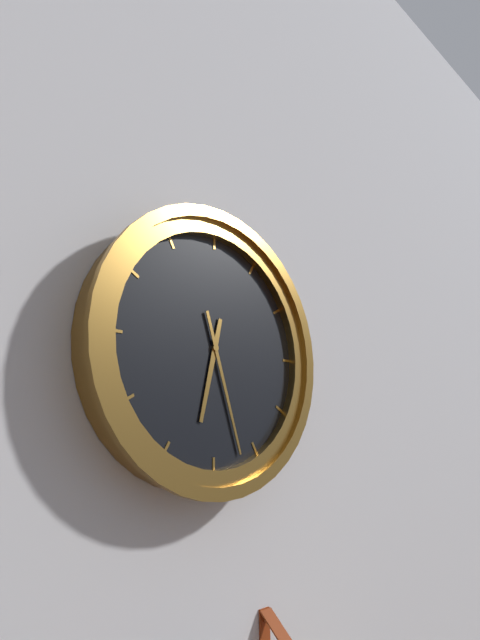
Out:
6.27
